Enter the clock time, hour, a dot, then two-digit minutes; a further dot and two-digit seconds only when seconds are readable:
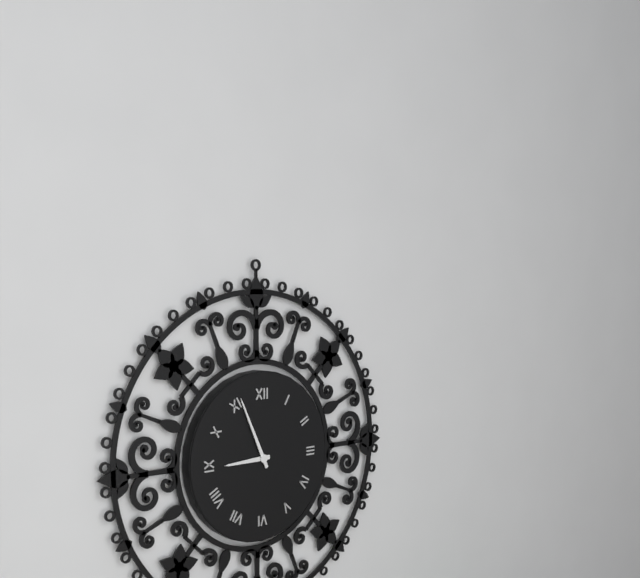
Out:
8.56
